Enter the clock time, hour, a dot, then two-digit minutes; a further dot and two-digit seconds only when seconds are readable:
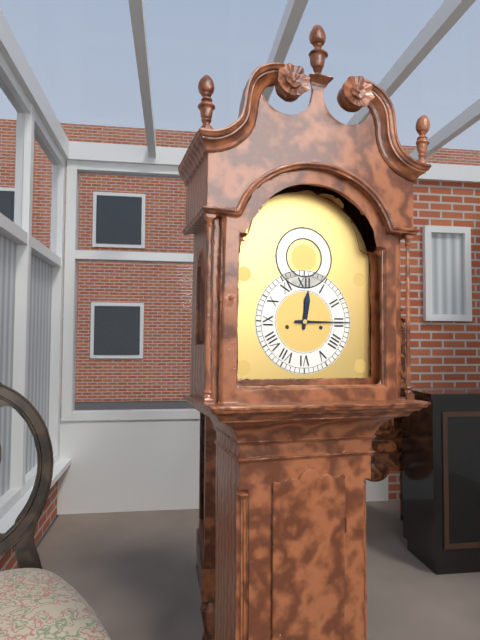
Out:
12.15
